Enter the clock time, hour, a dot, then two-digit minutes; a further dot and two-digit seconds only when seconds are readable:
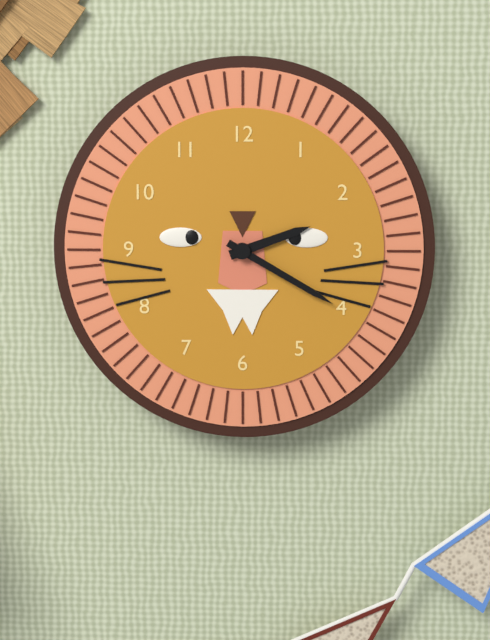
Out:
2.20
